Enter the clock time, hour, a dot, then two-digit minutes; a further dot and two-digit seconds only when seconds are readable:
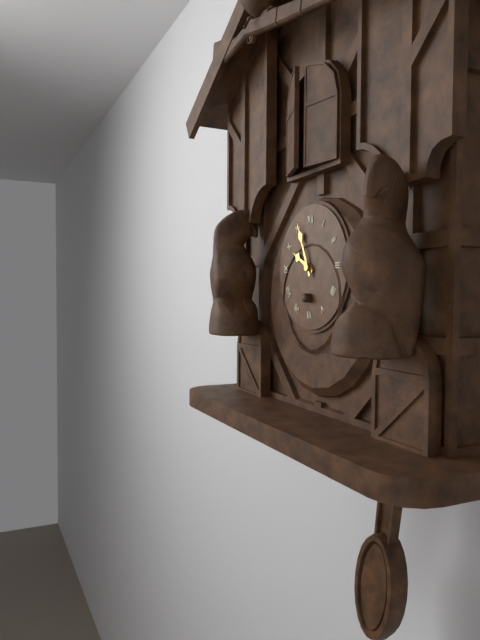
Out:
9.56
